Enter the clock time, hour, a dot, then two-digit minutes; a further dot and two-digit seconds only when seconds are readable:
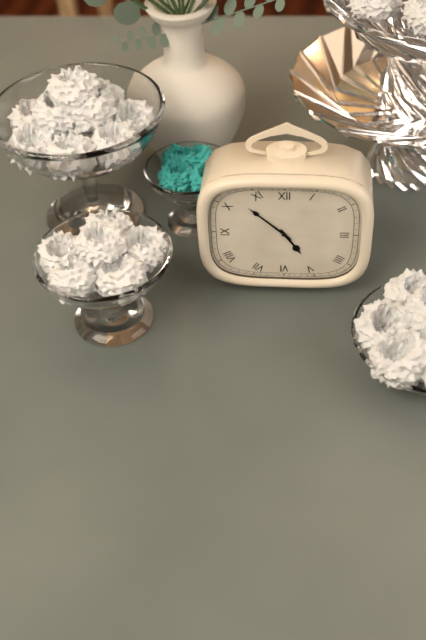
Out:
4.52
